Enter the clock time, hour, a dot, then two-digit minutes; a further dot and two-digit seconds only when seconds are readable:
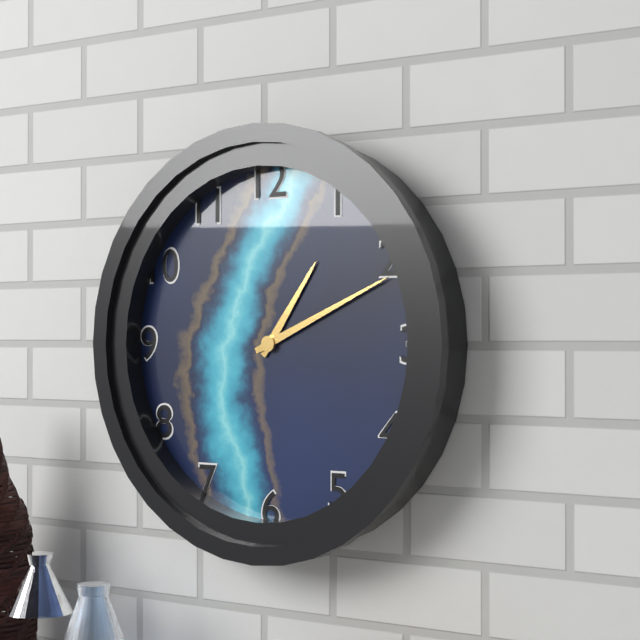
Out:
1.11
